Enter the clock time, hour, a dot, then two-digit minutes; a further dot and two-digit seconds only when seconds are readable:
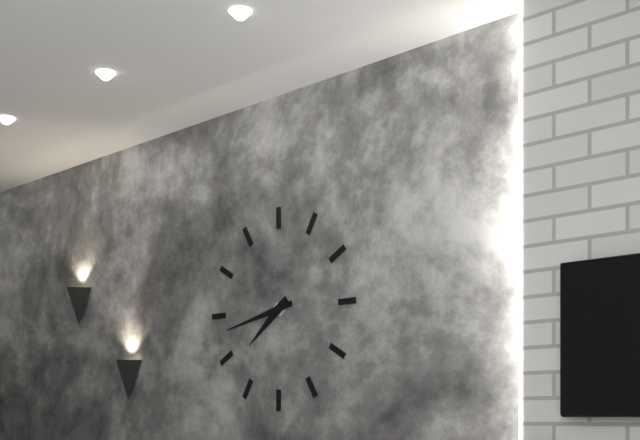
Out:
7.43
